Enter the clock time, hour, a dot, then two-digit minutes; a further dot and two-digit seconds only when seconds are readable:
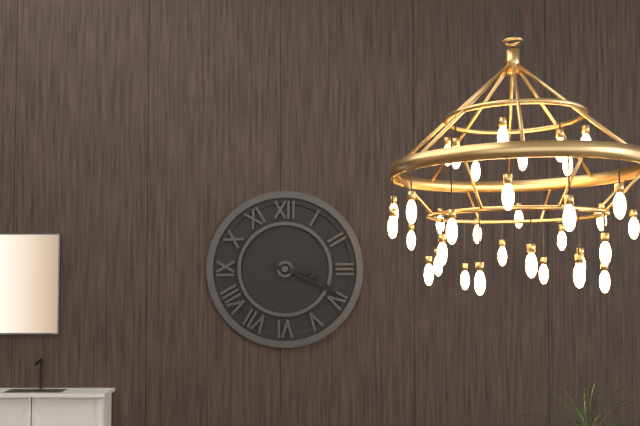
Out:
3.19
